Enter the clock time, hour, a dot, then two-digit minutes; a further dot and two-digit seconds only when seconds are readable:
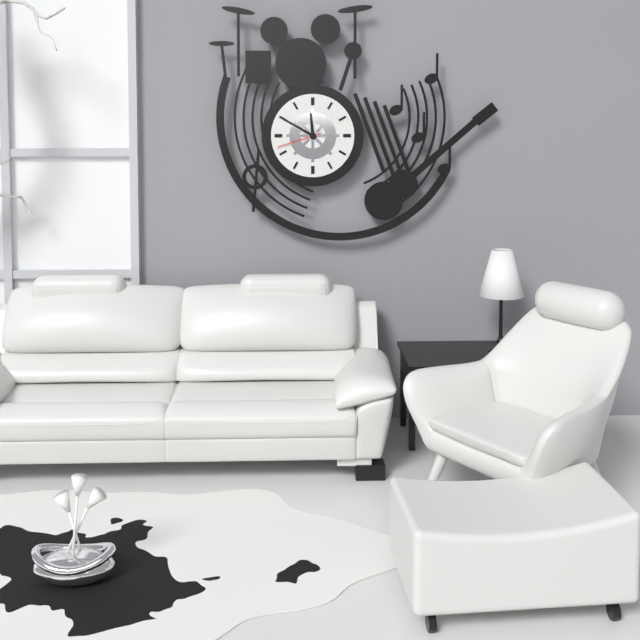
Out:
11.50
